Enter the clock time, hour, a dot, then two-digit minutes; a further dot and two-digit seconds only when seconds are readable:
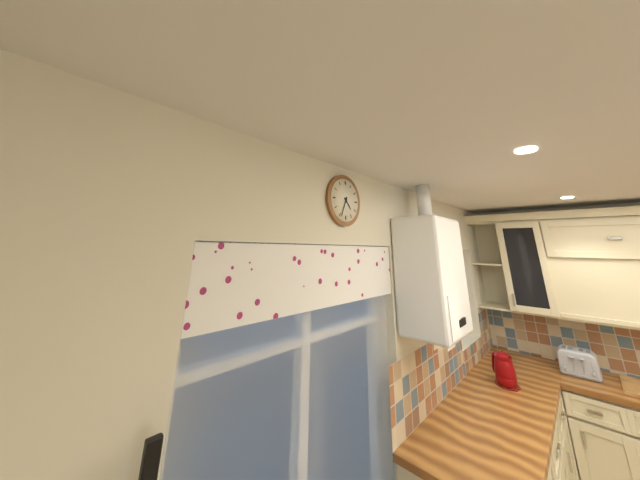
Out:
4.34
